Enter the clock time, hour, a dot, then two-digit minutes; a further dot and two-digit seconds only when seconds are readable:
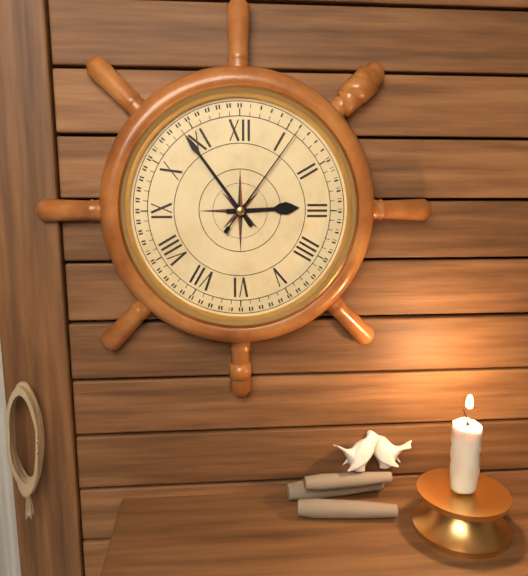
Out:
2.54.06
